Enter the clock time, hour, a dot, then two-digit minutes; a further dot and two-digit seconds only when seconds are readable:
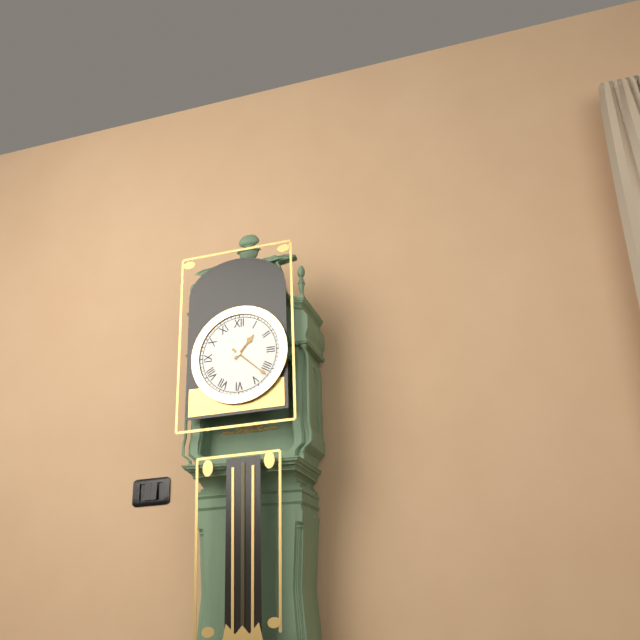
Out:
1.22
